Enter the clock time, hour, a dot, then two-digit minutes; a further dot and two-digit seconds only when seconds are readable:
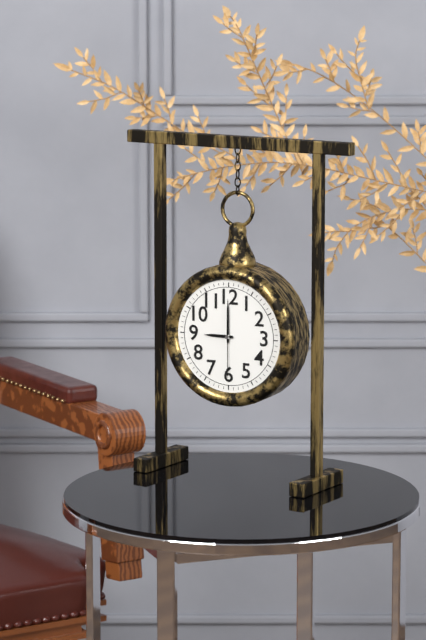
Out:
9.00.30
